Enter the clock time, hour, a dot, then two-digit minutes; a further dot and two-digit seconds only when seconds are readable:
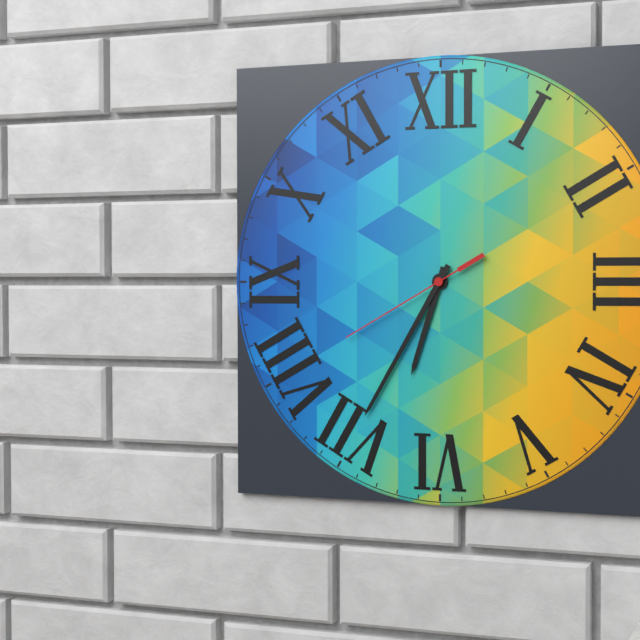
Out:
6.35.40
